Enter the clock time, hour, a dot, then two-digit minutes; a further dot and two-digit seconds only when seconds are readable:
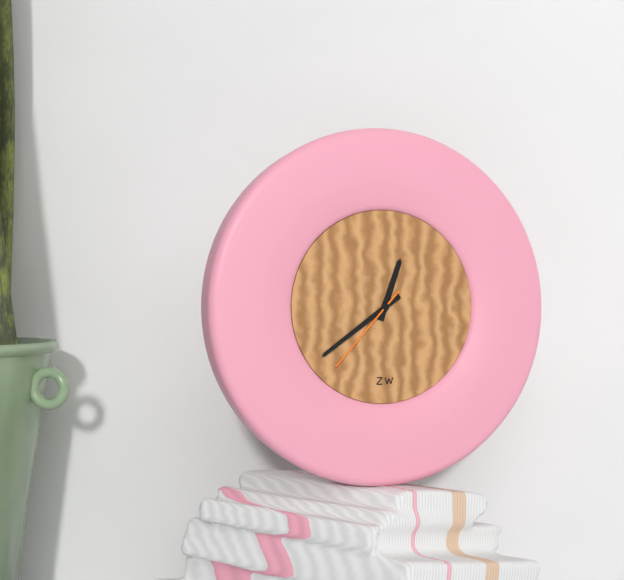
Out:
12.39.37
